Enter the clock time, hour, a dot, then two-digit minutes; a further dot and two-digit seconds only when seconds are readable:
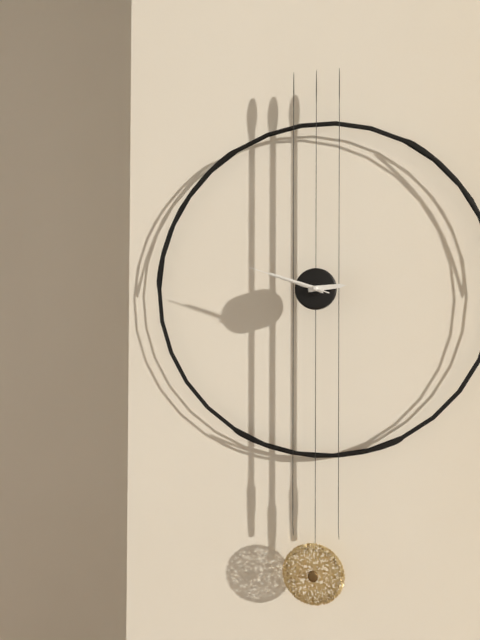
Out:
2.48.48
